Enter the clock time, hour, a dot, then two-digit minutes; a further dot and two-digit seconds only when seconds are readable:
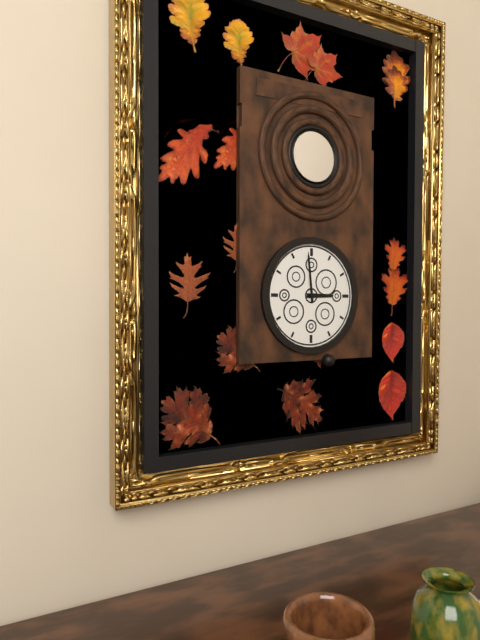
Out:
2.59
